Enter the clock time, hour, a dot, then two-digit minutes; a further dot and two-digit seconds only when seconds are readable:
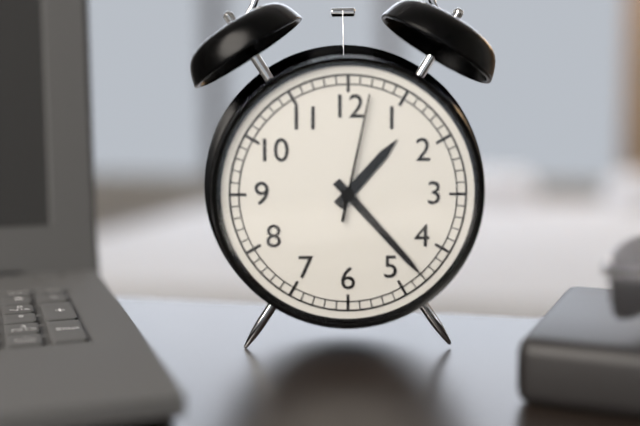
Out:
1.23.02
